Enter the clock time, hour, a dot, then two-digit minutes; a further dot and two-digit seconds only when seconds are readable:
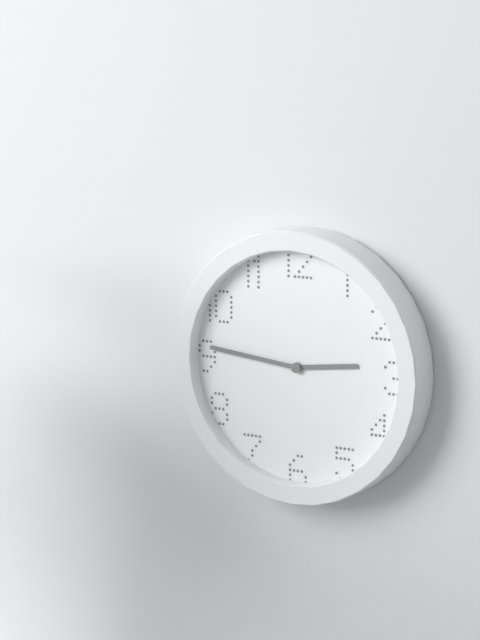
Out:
2.46
